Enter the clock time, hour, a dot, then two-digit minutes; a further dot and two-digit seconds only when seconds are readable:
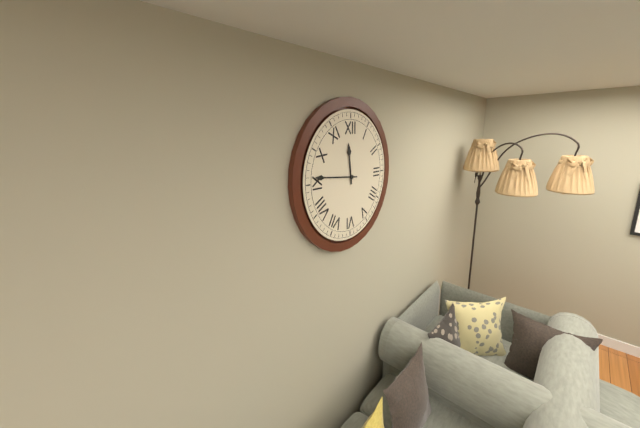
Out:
11.46
